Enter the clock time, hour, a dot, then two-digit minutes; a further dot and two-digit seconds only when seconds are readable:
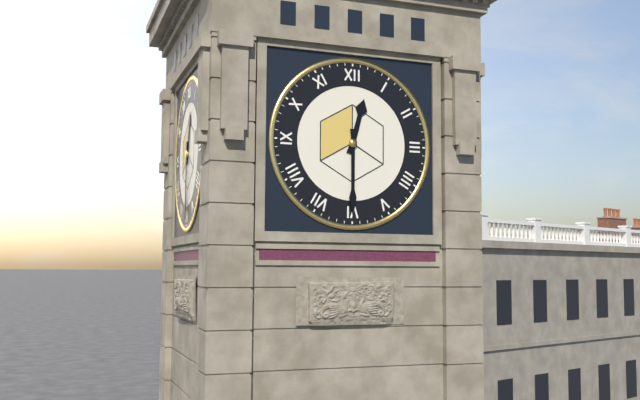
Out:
12.30
